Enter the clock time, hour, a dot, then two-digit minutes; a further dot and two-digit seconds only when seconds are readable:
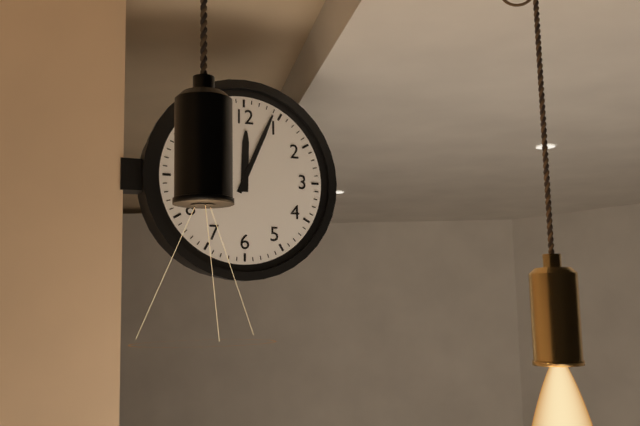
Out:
12.04
